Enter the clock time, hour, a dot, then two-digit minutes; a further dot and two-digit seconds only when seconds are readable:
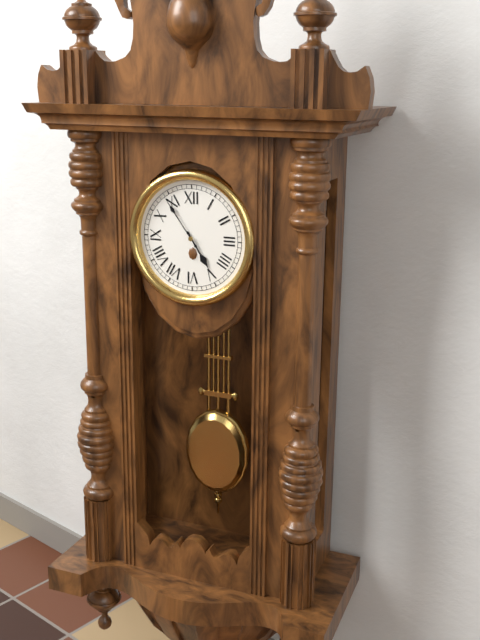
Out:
4.54
